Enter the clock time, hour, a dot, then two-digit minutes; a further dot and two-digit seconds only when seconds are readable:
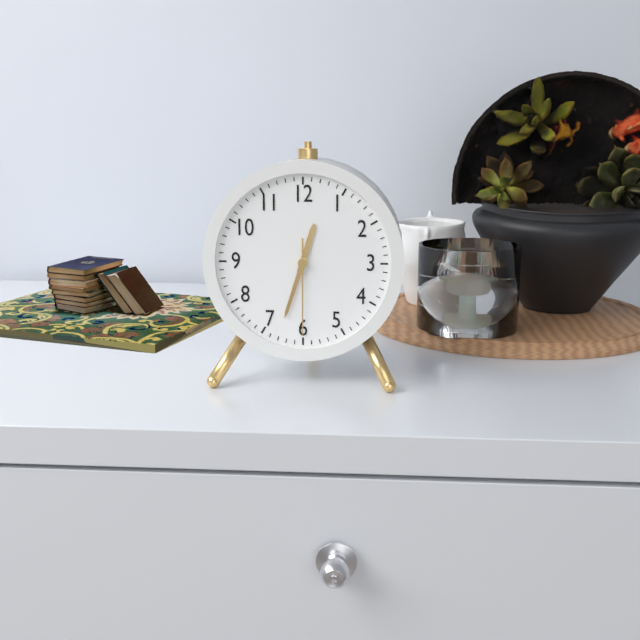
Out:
12.33.30
